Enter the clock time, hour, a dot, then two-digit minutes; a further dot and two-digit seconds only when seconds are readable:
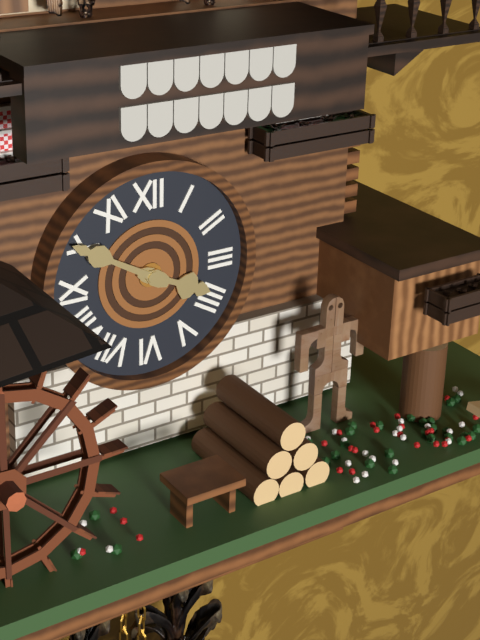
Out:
3.50
